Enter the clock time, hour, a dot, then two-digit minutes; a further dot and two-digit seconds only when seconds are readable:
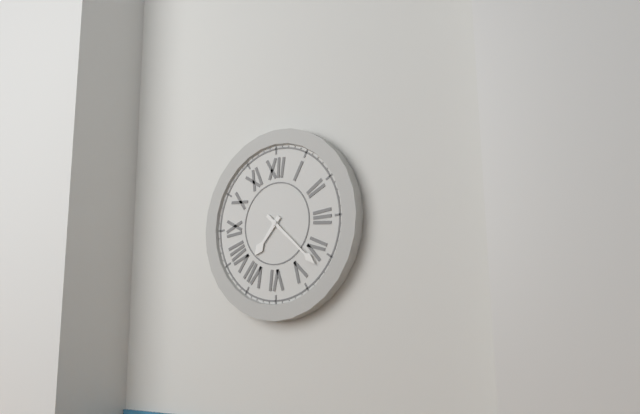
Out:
7.22
